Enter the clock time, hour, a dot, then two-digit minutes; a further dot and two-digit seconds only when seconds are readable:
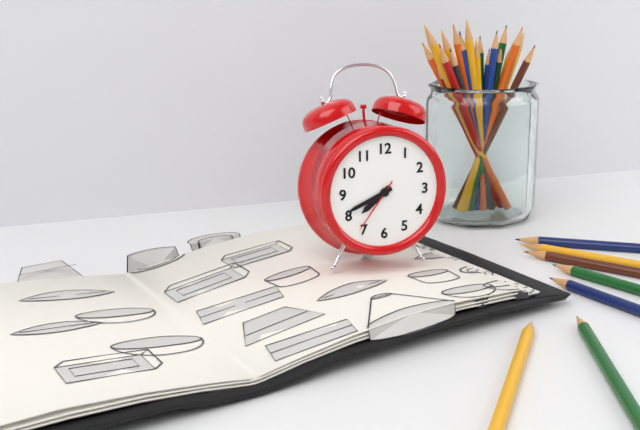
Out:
7.41.36
